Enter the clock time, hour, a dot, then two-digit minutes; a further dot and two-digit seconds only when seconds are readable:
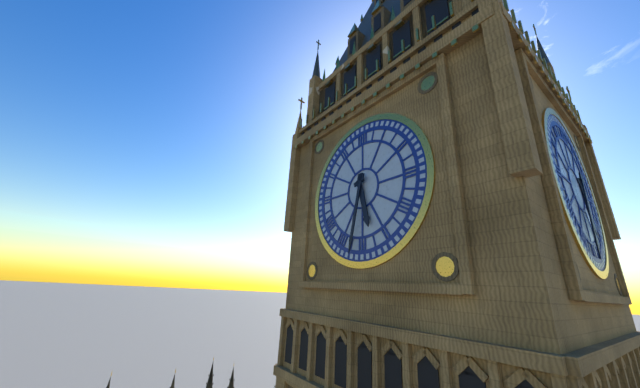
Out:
5.32
